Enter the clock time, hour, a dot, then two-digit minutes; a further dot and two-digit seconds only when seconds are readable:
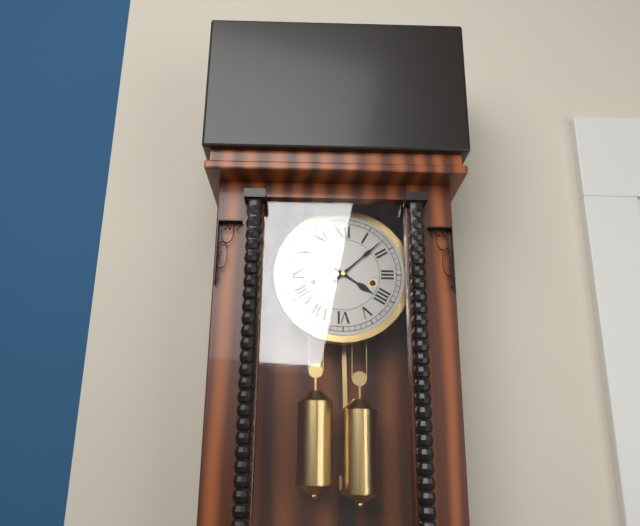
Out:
4.08
